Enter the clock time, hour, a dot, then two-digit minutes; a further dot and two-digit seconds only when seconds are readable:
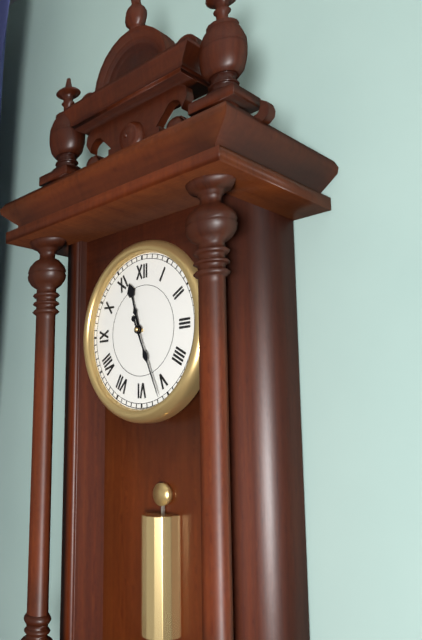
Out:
11.26
